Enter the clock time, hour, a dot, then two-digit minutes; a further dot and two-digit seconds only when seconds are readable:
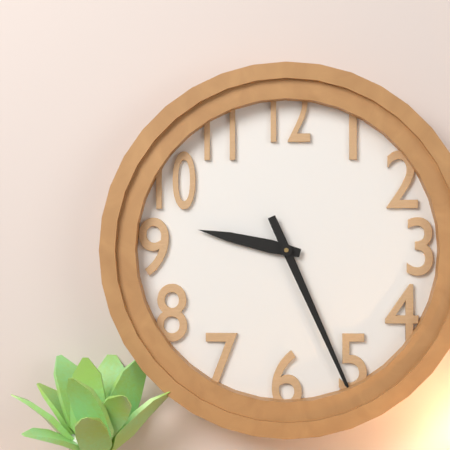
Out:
9.26
